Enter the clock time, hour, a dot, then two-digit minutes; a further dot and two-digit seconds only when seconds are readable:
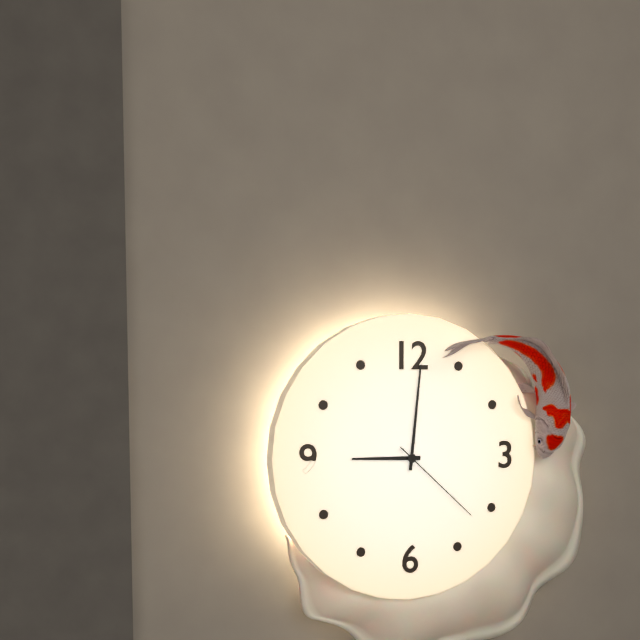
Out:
9.01.22
